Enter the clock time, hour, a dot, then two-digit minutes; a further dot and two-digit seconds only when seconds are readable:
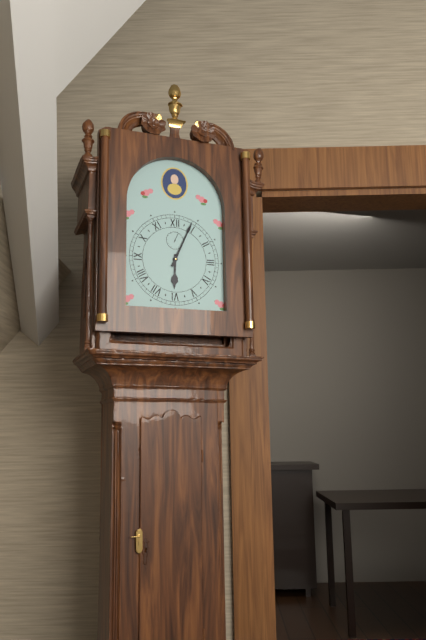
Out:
6.04
